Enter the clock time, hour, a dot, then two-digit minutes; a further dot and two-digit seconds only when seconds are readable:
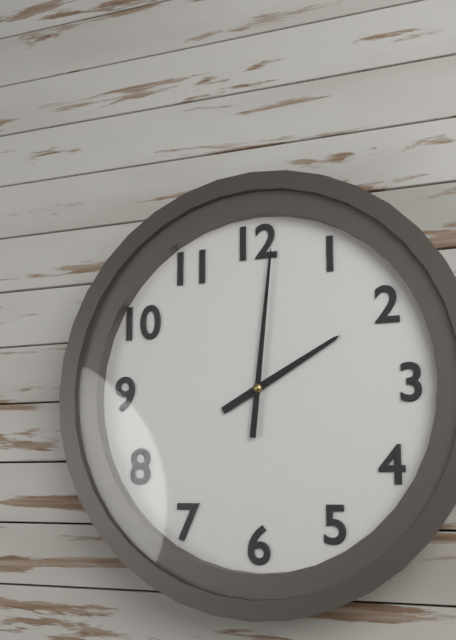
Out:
2.01
